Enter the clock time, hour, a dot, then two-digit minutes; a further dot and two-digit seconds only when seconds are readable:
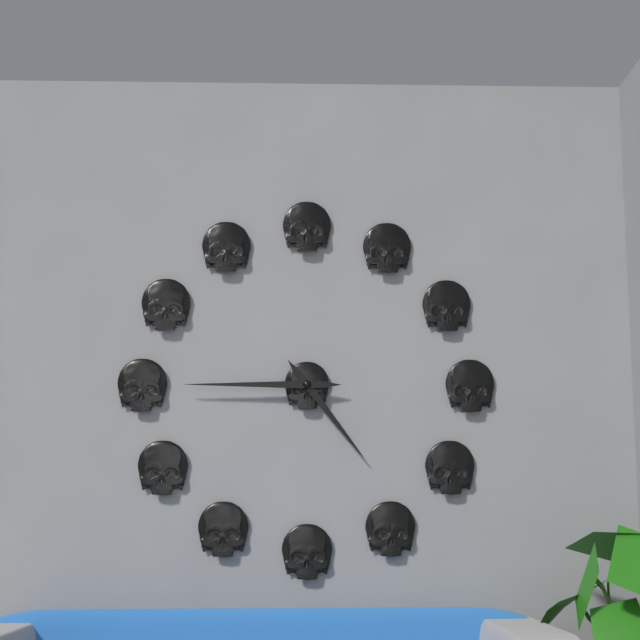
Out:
4.45
